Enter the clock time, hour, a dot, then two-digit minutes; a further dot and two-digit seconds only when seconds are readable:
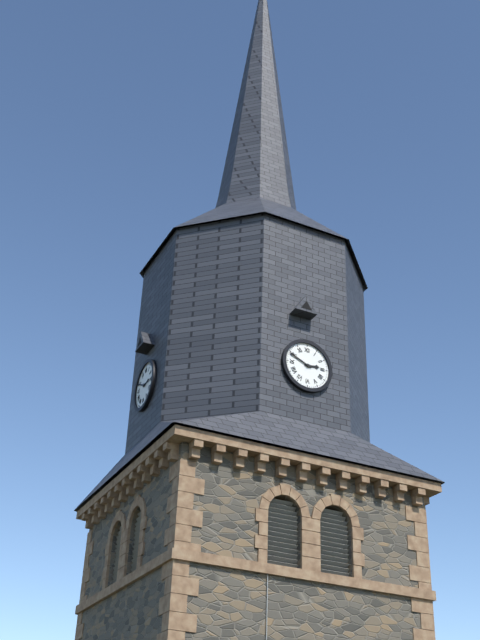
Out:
2.49
